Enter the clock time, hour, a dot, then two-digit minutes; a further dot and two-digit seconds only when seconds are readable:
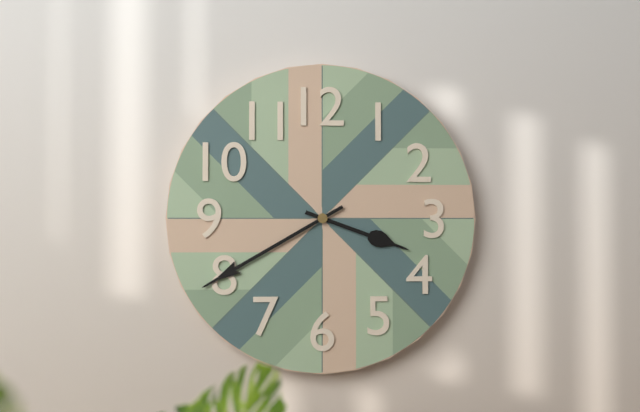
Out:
3.40
